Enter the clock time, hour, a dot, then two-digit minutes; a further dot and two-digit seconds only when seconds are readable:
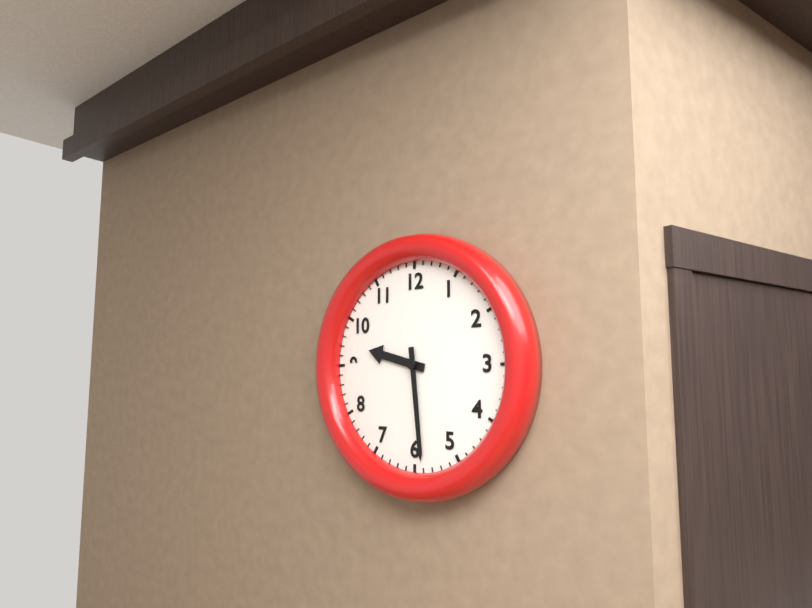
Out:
9.29
